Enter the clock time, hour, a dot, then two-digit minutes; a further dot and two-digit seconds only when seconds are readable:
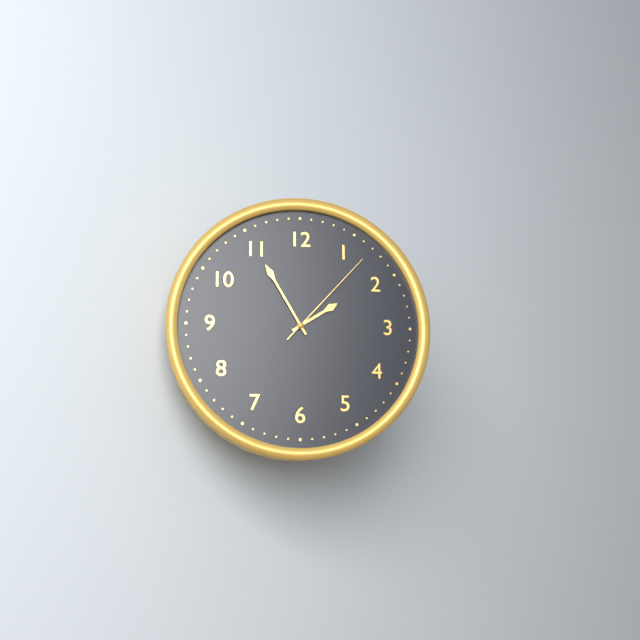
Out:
1.55.07
